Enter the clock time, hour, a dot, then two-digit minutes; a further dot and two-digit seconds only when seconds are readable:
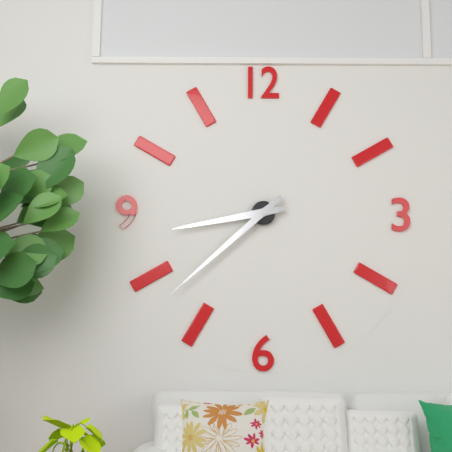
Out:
8.38
